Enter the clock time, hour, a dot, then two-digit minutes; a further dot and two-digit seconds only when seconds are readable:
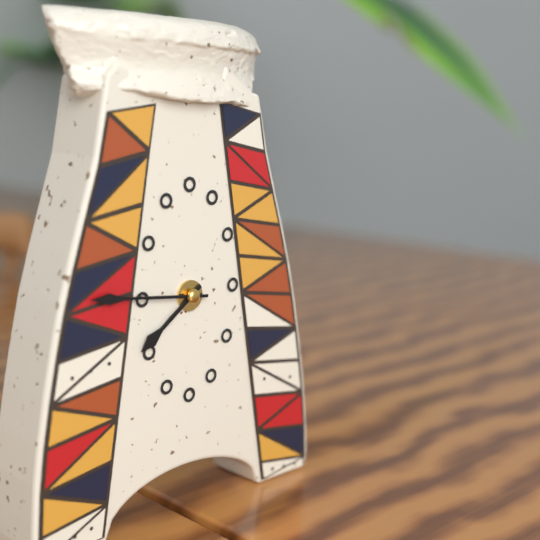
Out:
7.46
